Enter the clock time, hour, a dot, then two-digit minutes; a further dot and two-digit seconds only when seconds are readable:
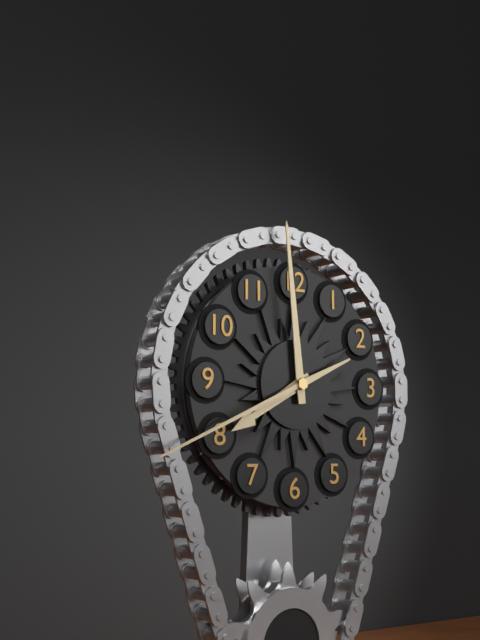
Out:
7.59.41
